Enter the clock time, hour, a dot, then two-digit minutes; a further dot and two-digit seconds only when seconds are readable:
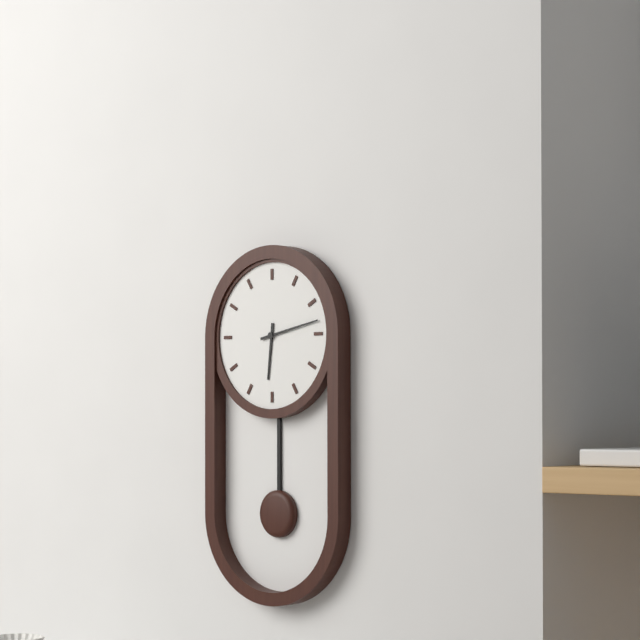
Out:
6.13
